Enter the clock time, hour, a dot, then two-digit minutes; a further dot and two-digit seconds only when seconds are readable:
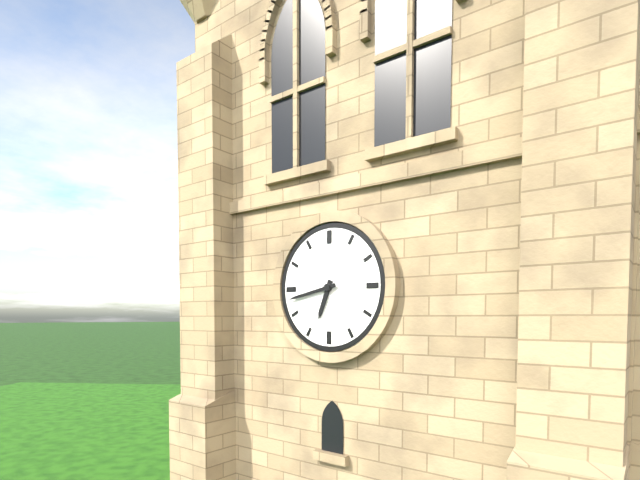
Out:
6.43
